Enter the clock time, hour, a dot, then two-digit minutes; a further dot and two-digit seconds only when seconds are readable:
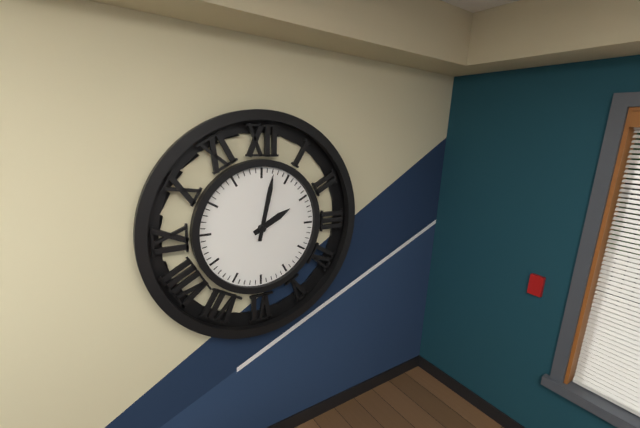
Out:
2.02
